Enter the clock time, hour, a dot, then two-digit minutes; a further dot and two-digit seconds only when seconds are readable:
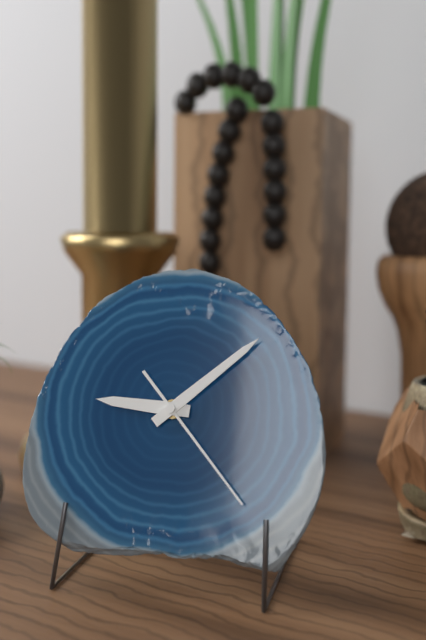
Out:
9.08.23
